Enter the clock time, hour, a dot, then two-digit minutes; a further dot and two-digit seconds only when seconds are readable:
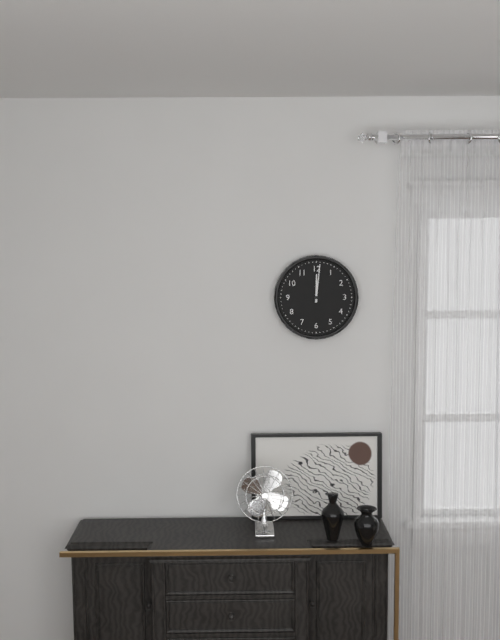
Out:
12.01
